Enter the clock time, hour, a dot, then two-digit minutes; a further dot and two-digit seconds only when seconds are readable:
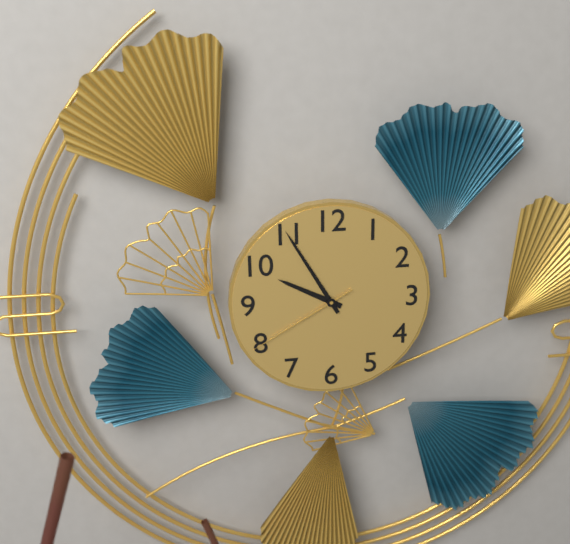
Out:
9.55.40
